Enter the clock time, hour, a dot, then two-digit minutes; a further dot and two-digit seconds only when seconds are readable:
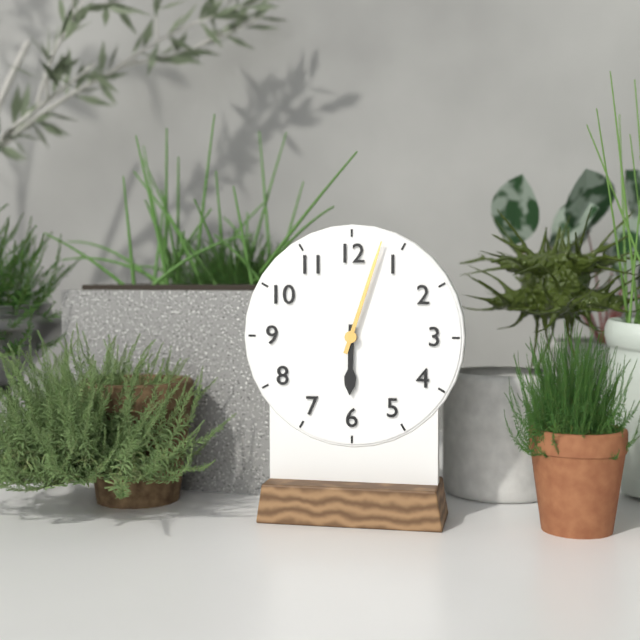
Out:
6.03
